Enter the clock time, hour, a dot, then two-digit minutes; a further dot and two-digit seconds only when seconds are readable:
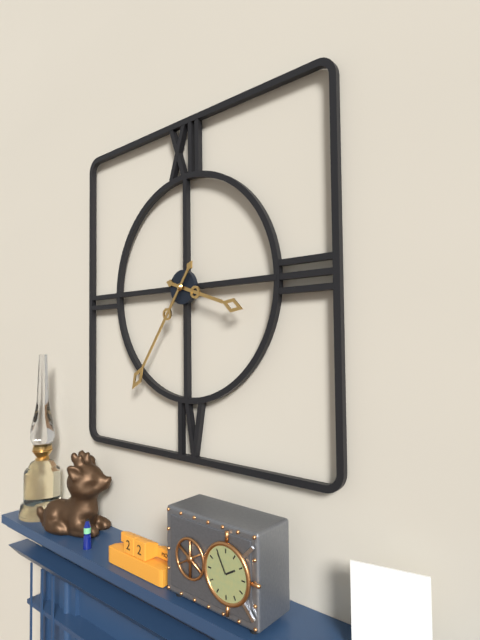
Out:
3.36
